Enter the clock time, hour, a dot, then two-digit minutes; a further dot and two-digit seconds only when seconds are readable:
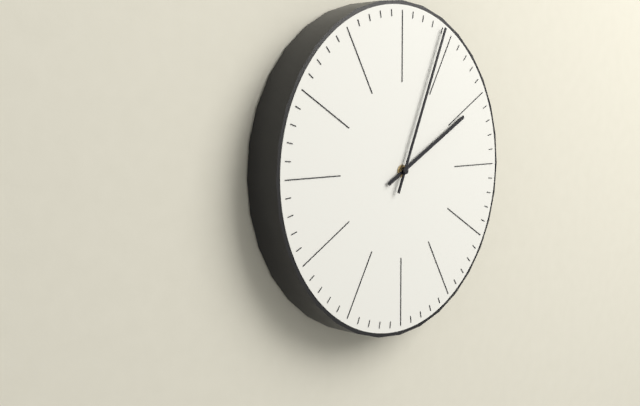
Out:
2.04
